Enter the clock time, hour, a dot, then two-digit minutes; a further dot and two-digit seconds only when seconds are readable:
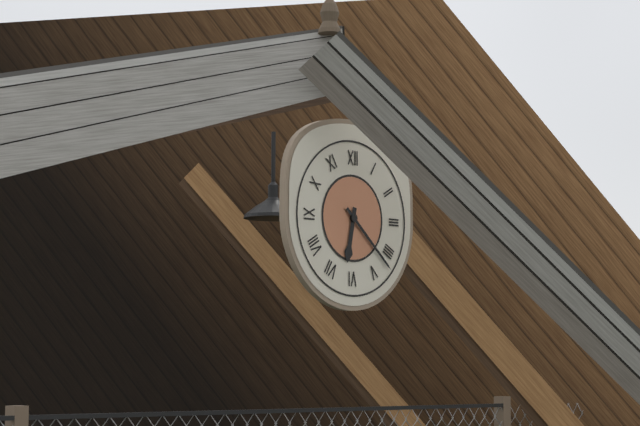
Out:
6.22
